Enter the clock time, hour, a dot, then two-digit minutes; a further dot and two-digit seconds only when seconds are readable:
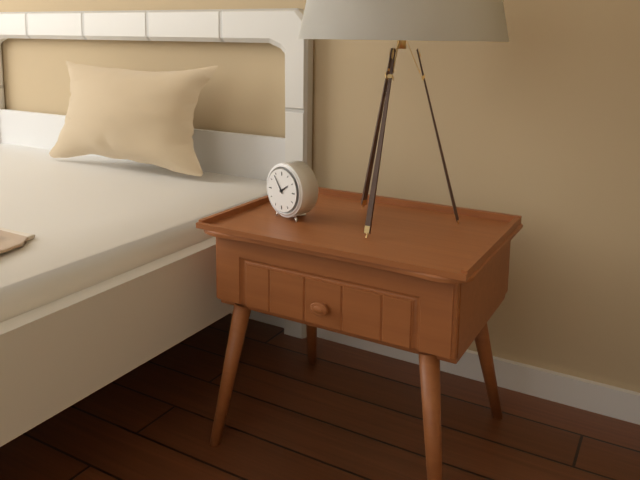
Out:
1.54
